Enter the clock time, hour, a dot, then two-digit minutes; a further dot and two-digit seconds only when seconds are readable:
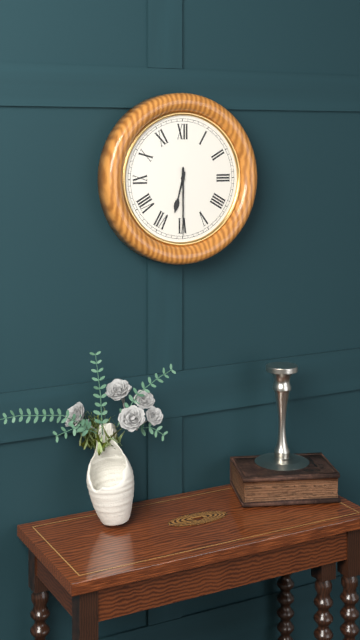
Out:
6.30
